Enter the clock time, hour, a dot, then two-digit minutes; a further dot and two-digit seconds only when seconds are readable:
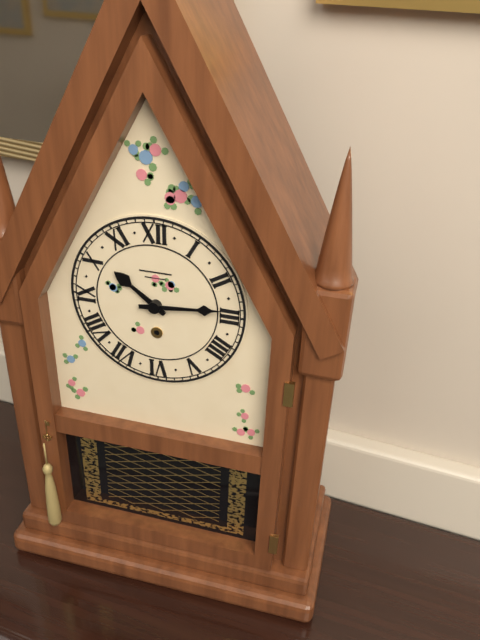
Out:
10.14
